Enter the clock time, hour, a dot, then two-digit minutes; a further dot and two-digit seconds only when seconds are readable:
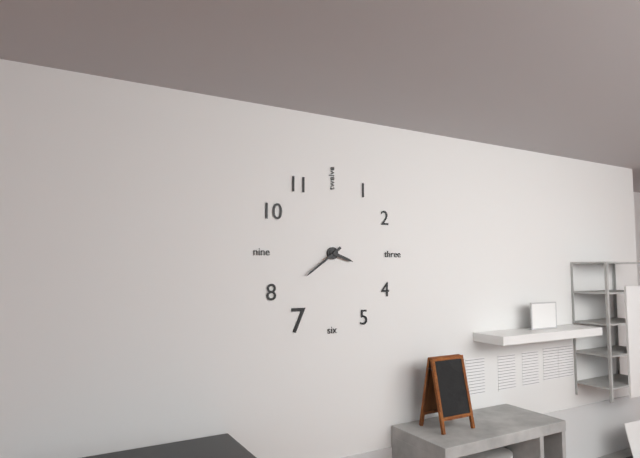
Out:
3.39
